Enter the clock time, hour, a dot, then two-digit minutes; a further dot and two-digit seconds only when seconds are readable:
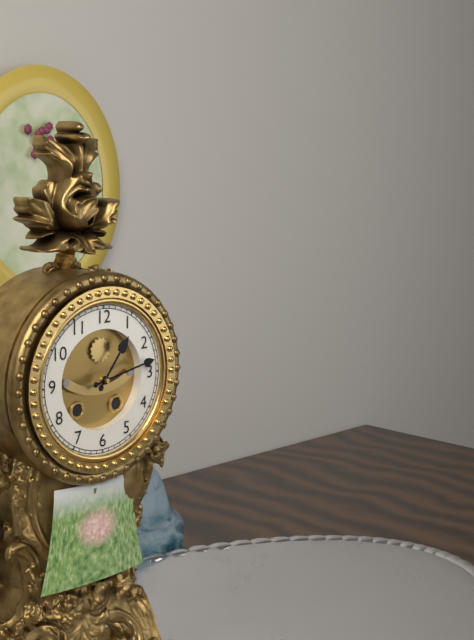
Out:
1.13
